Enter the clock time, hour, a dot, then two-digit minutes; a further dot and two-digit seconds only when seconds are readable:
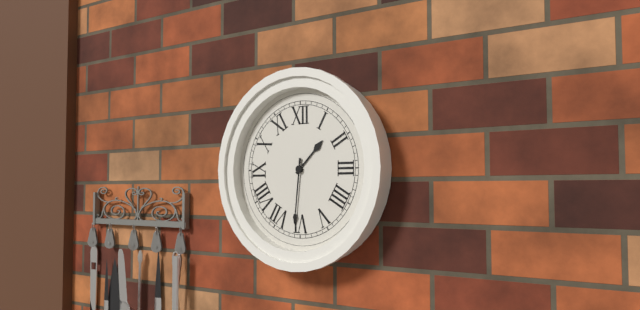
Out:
1.31
